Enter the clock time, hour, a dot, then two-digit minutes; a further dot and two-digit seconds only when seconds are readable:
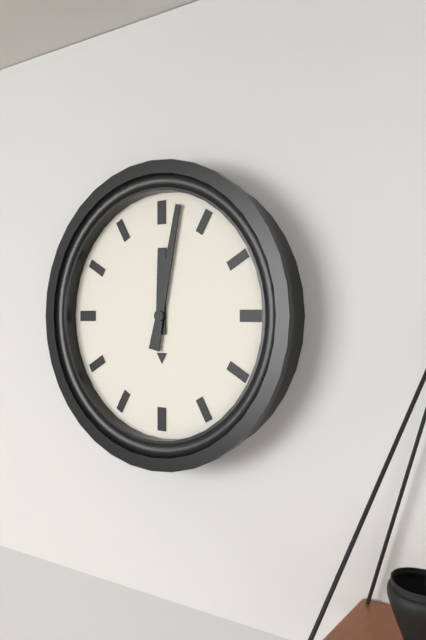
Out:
12.02
